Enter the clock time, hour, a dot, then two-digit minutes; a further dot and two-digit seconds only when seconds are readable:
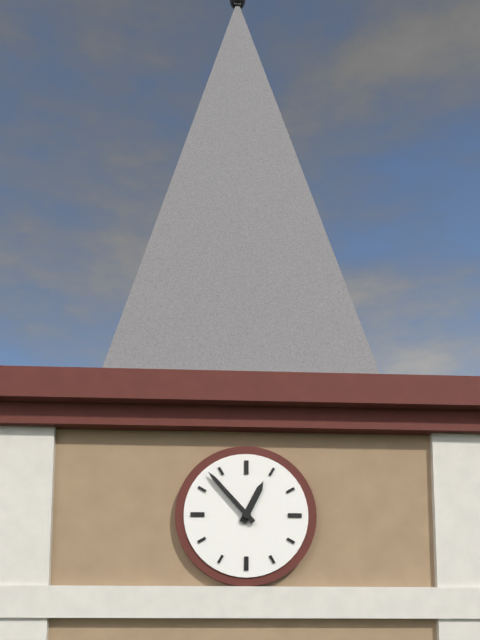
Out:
12.53
